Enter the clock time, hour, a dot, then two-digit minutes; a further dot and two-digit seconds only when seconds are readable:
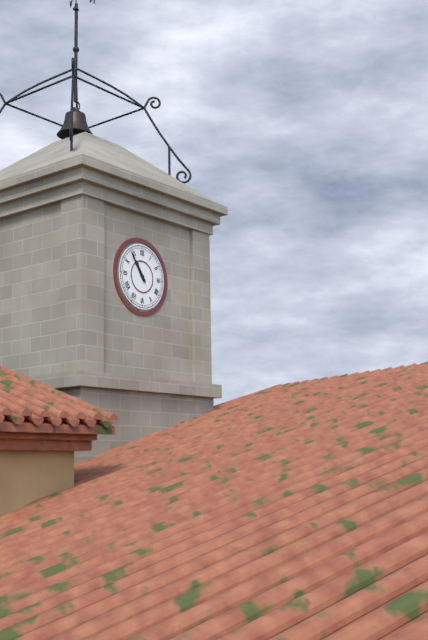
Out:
10.54
